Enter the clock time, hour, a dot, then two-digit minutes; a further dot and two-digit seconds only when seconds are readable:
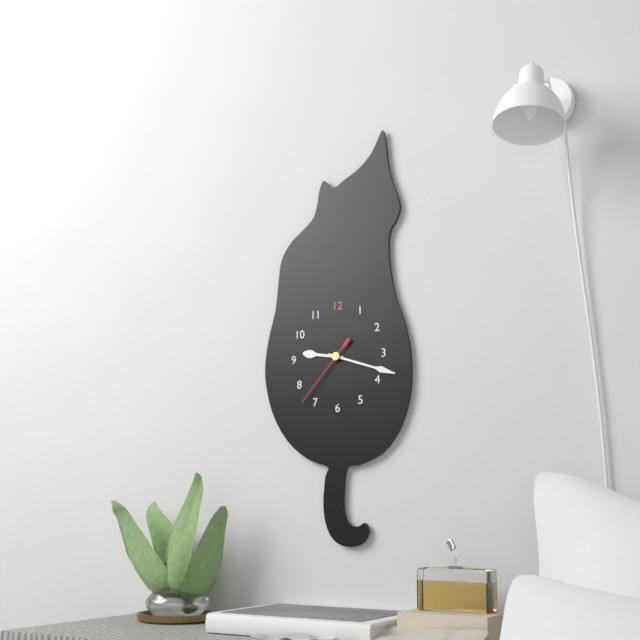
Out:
9.18.37
